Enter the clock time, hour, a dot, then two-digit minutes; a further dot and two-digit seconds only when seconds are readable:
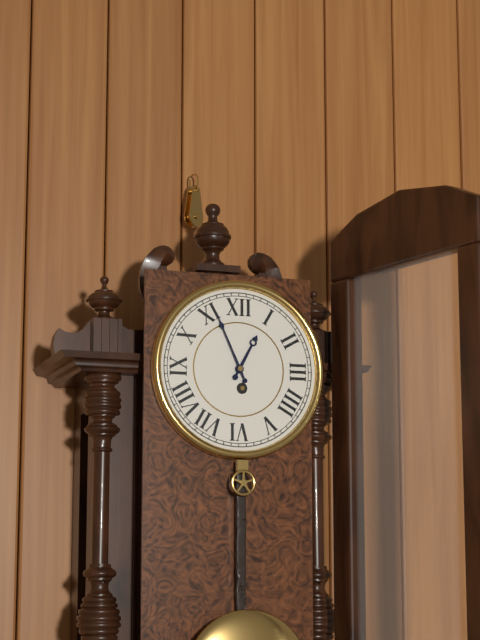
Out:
12.56
